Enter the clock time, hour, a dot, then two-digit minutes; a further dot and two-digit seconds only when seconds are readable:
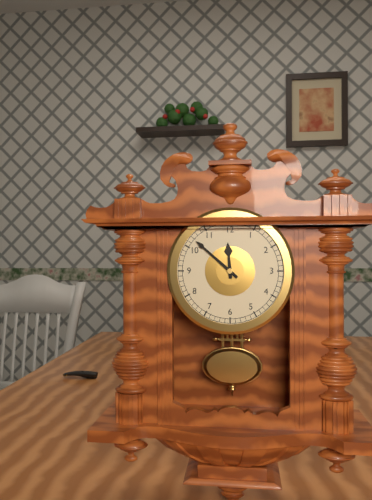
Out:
11.52
